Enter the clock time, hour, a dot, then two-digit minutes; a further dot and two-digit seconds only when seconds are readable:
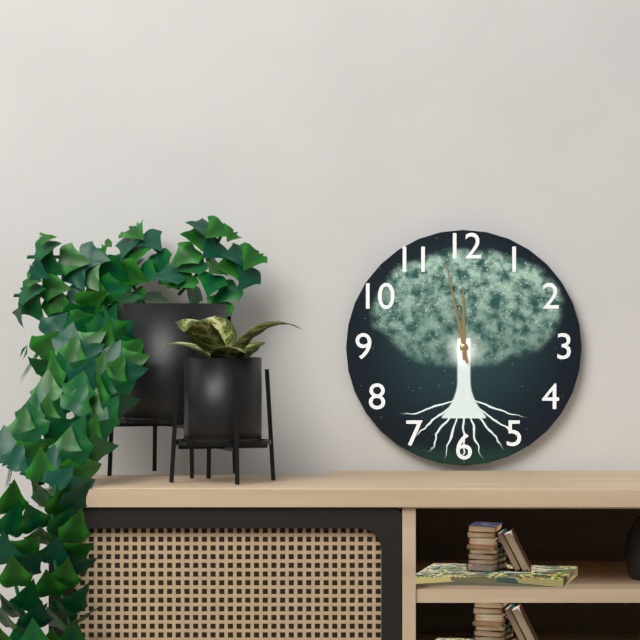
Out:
11.58
